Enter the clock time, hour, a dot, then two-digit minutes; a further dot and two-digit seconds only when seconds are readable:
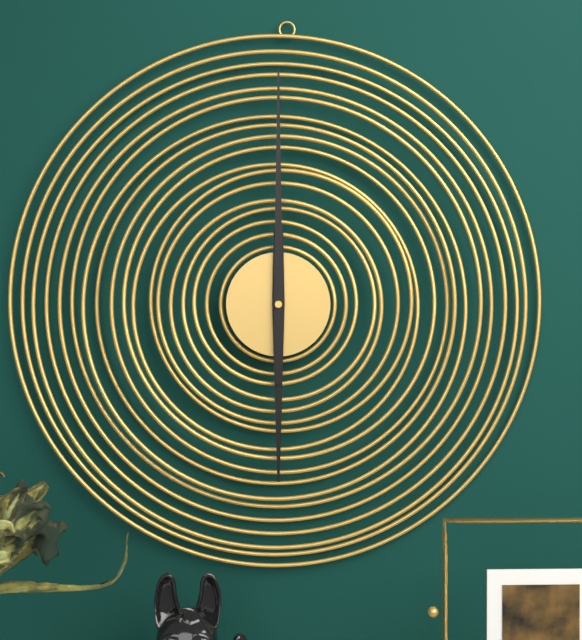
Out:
6.00
